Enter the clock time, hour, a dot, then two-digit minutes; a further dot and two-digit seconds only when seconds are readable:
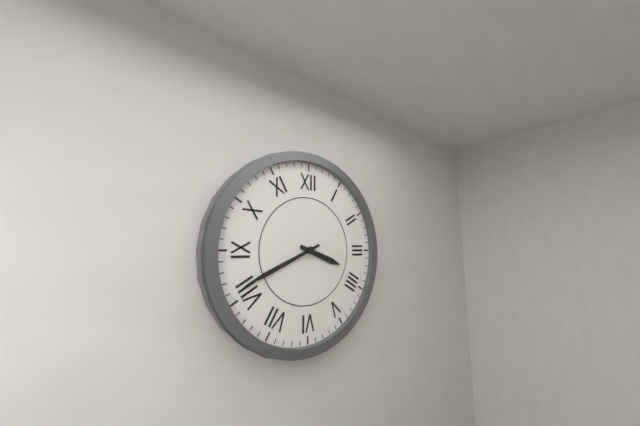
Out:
3.41
